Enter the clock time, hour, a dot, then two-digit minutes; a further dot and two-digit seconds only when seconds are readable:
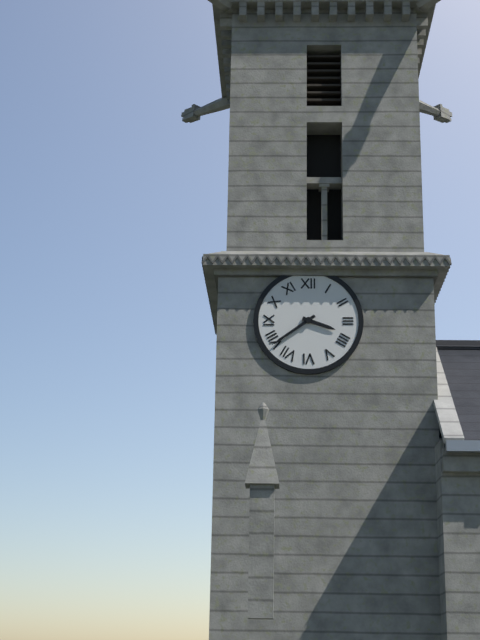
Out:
3.39
